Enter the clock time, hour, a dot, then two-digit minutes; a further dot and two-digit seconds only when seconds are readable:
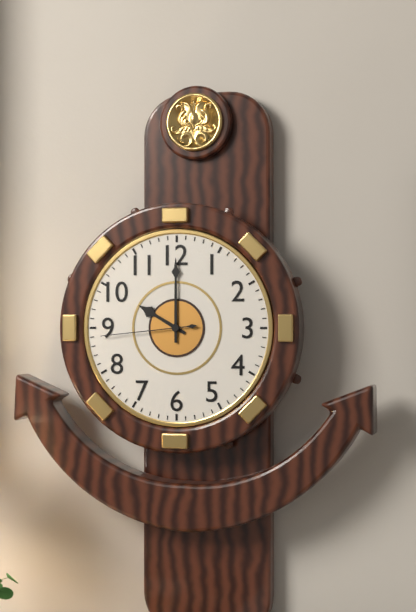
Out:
10.00.44
